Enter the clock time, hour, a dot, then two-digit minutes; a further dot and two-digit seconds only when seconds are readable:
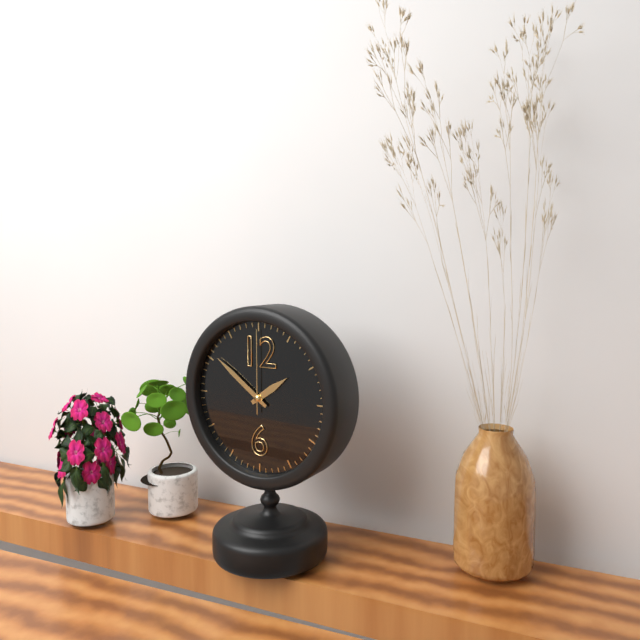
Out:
1.51.00
